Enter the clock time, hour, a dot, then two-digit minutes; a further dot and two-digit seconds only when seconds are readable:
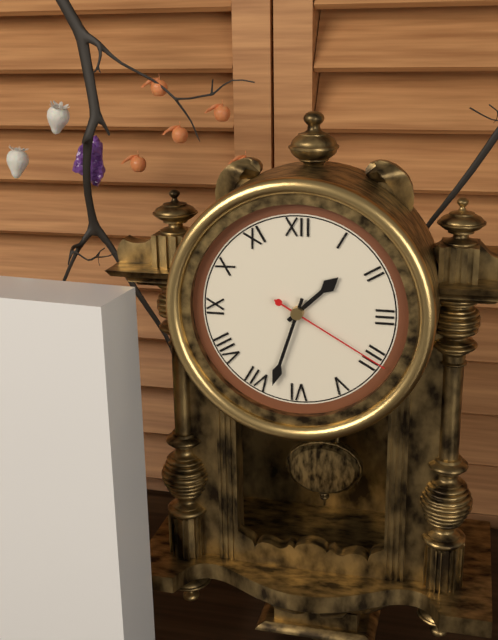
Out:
1.33.20
